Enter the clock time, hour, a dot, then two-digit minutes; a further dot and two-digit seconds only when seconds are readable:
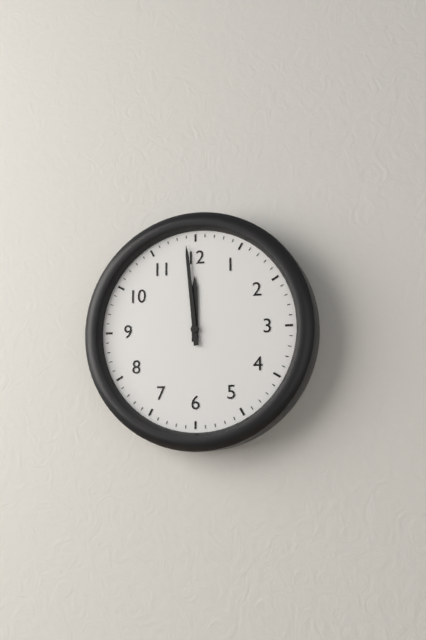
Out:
11.59
